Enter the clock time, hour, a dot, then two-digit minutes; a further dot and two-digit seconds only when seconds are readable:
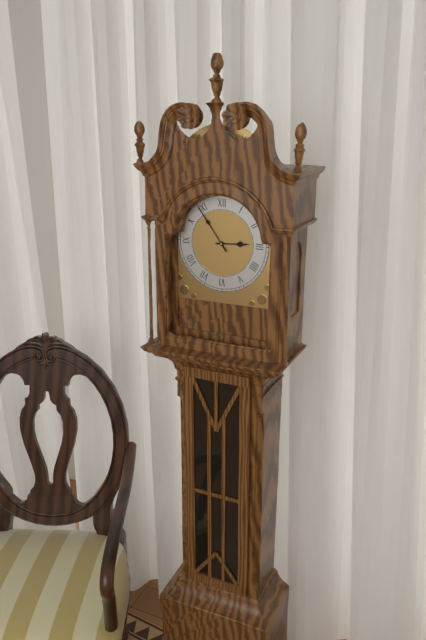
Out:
2.54
